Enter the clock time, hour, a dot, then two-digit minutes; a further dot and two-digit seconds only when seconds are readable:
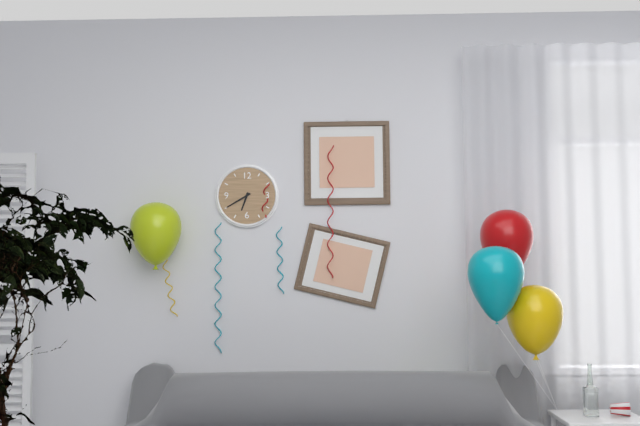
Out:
6.40
